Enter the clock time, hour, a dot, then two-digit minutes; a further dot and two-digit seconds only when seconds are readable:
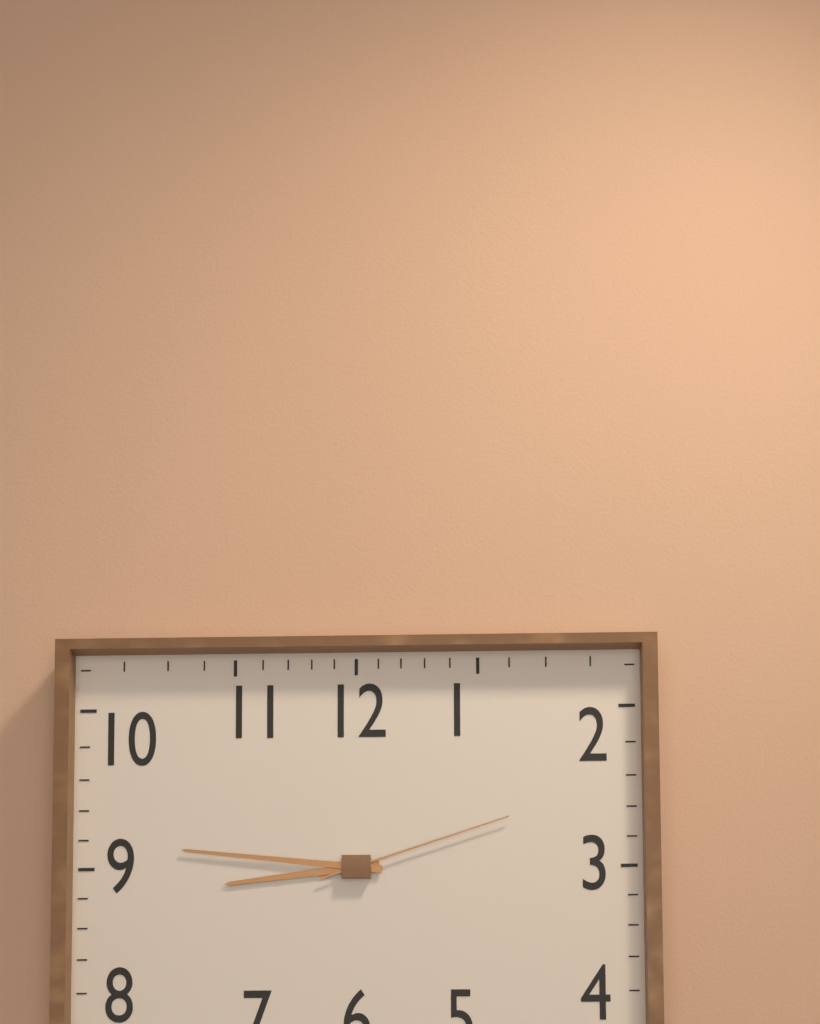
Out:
8.46.12
